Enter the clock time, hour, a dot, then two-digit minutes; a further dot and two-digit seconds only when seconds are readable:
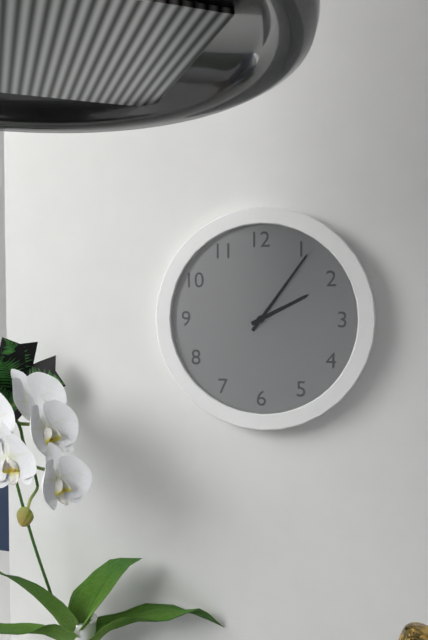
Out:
2.06
